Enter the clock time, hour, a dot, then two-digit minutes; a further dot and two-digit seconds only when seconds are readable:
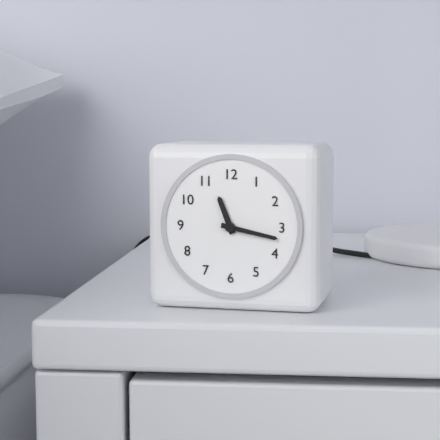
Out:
11.17
